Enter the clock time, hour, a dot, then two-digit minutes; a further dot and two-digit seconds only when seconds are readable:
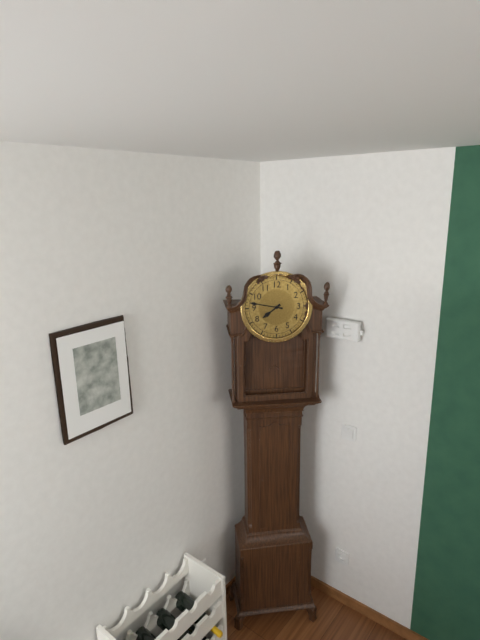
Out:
7.47
